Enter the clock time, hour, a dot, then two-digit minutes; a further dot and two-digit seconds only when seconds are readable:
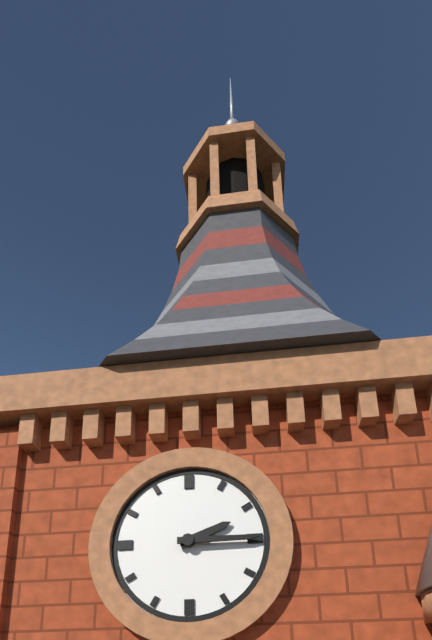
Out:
2.15
